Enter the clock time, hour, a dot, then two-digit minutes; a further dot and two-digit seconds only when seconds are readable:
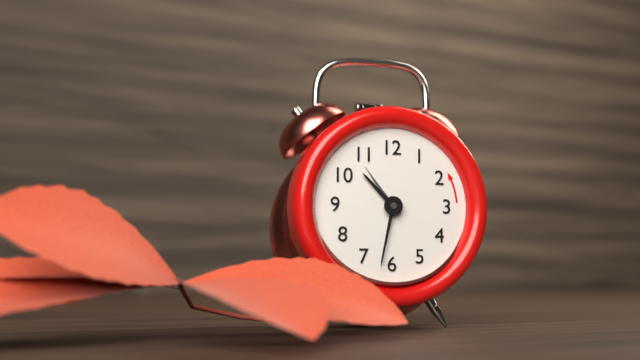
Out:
10.32.54
